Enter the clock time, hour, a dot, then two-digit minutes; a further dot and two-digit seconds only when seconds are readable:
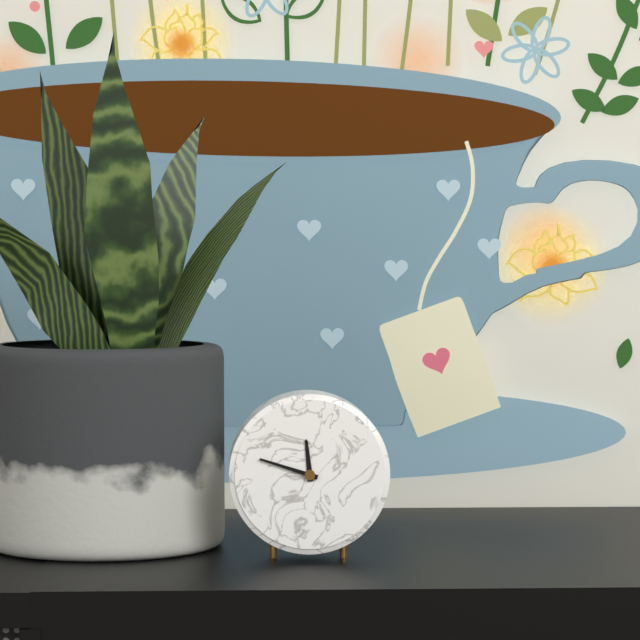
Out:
11.48
